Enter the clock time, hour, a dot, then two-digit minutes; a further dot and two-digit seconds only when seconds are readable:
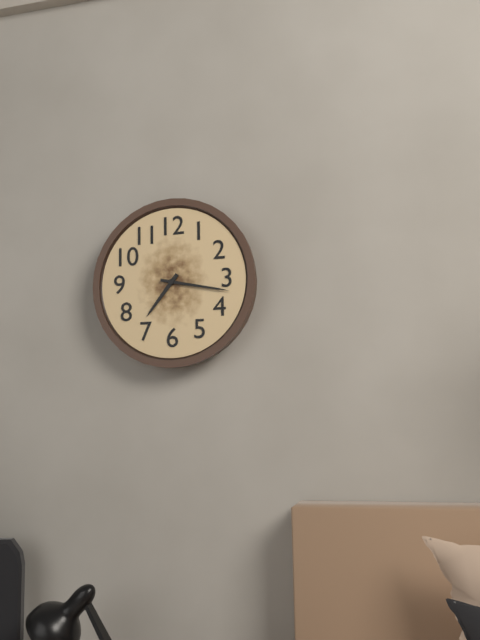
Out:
7.17
